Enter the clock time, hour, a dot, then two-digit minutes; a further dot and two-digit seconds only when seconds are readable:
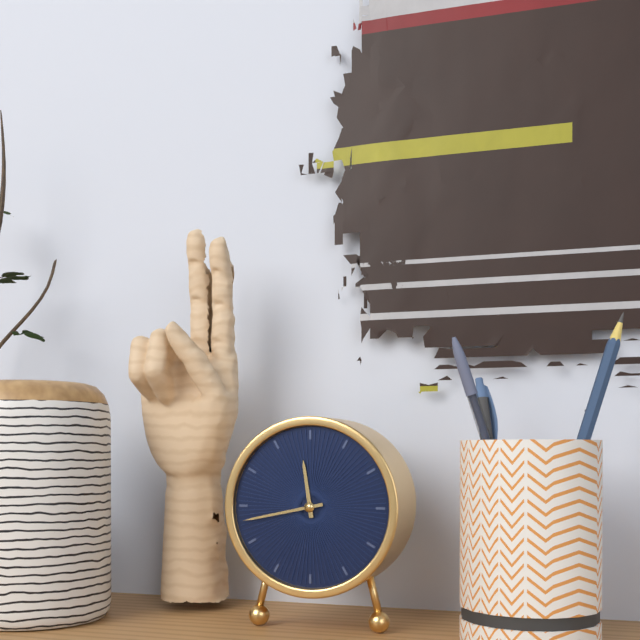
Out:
11.43
